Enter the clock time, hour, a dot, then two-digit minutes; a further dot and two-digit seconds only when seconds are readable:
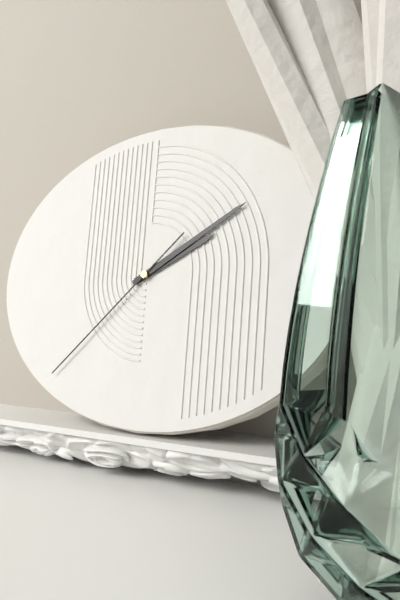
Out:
2.10.38
